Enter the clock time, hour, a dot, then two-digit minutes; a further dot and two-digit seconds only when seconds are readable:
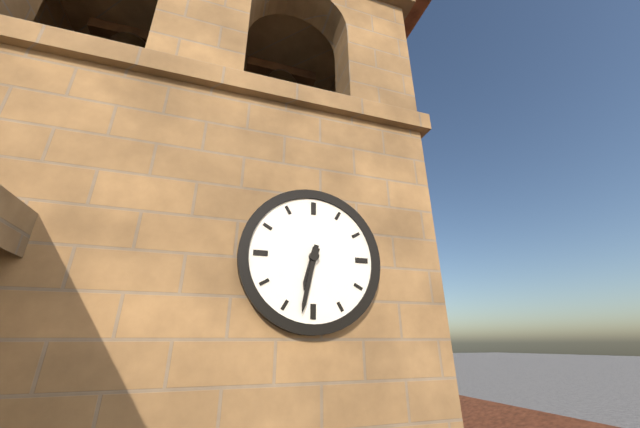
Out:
6.32
